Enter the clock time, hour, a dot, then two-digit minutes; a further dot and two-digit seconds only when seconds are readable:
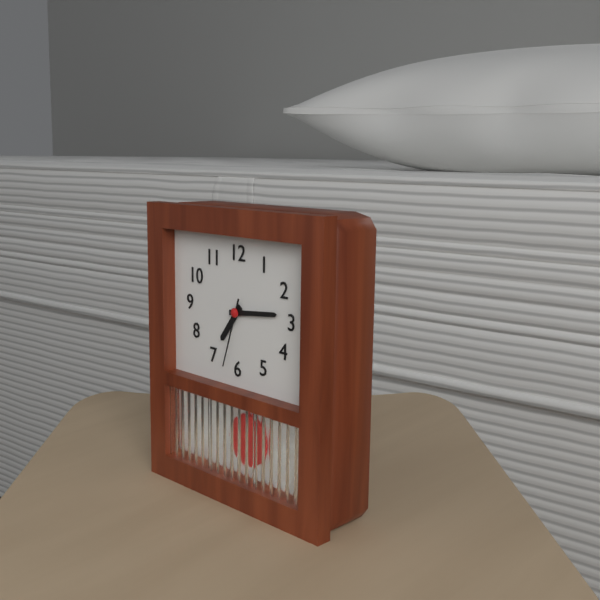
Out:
7.14.33
